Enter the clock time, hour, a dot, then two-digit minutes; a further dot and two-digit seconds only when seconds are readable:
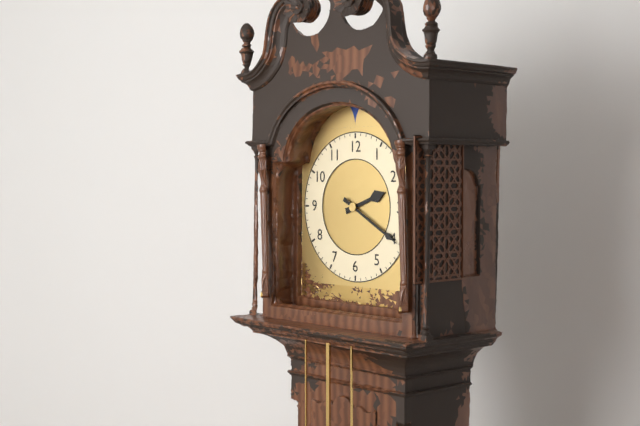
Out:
2.20
